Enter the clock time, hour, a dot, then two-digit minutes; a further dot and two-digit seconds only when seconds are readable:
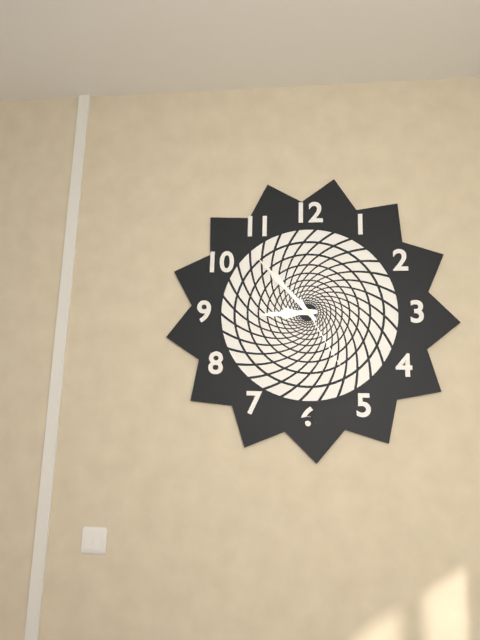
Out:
8.53.25
